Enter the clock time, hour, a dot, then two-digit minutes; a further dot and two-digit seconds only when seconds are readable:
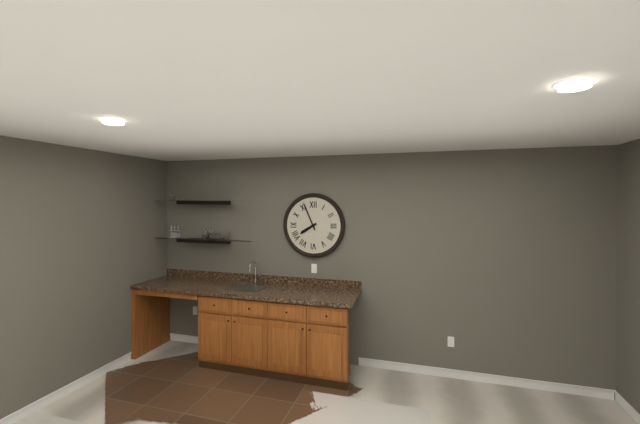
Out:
7.56
